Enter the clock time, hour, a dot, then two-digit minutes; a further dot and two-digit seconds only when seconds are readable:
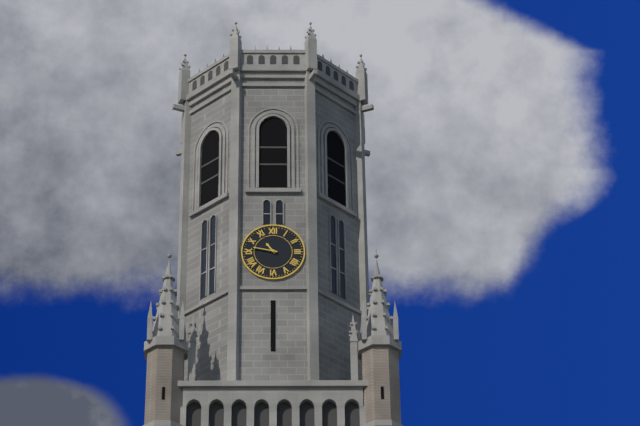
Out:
10.47
